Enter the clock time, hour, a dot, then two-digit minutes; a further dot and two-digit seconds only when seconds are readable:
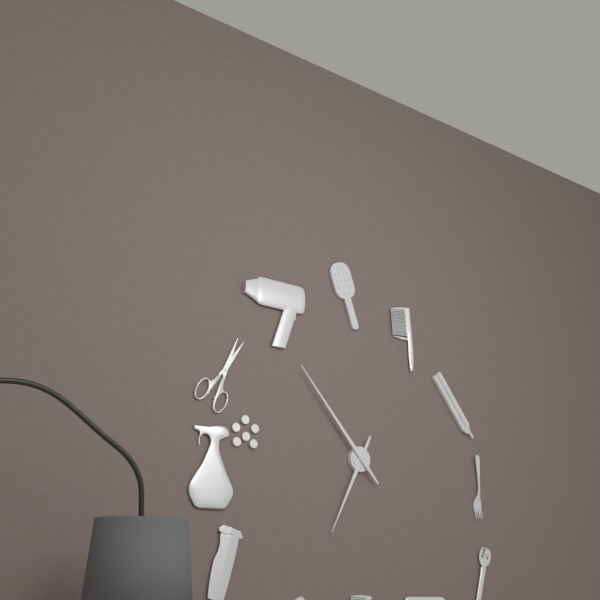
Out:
6.53
